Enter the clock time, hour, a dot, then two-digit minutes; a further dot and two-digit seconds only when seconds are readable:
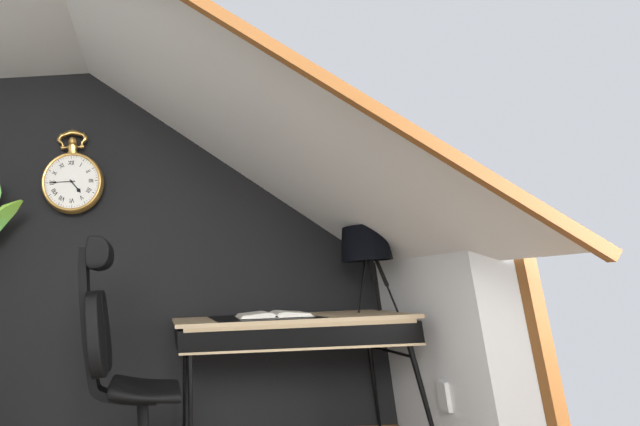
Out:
4.45
